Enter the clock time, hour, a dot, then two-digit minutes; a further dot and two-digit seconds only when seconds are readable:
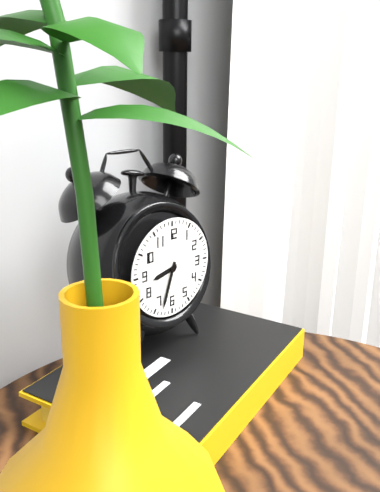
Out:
8.33
